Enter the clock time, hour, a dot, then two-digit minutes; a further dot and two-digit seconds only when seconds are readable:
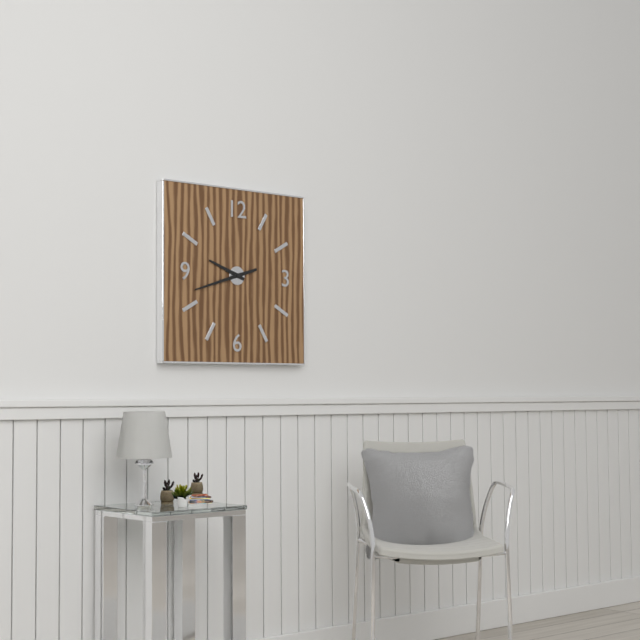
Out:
9.42
